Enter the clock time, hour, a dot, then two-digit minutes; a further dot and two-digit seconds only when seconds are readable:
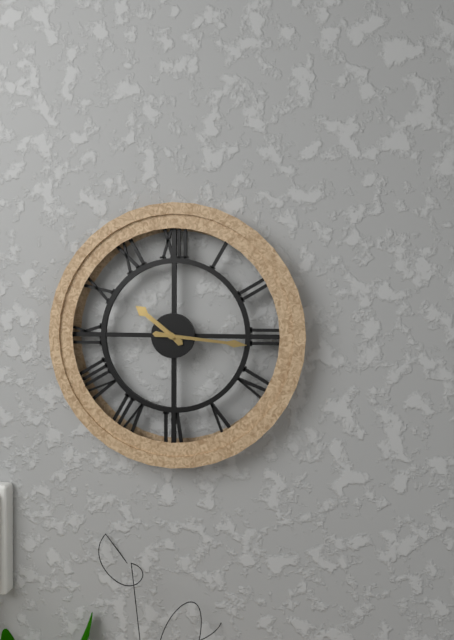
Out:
10.16
